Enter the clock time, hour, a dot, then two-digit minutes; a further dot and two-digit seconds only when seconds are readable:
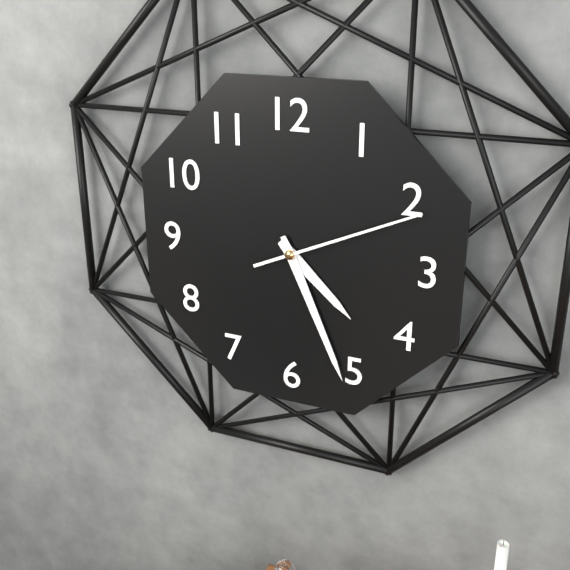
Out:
4.26.11
